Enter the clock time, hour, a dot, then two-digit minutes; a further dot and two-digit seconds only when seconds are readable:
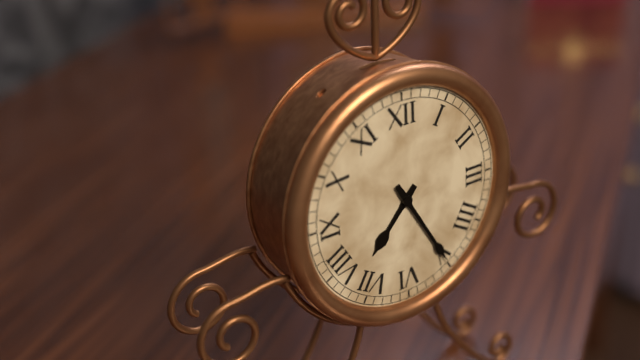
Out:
7.25
